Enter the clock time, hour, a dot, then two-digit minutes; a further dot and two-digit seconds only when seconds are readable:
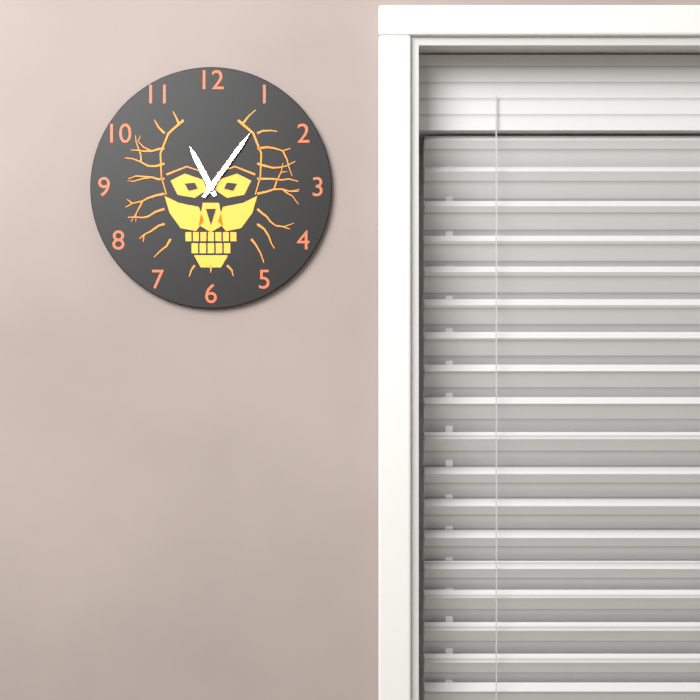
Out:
11.06
